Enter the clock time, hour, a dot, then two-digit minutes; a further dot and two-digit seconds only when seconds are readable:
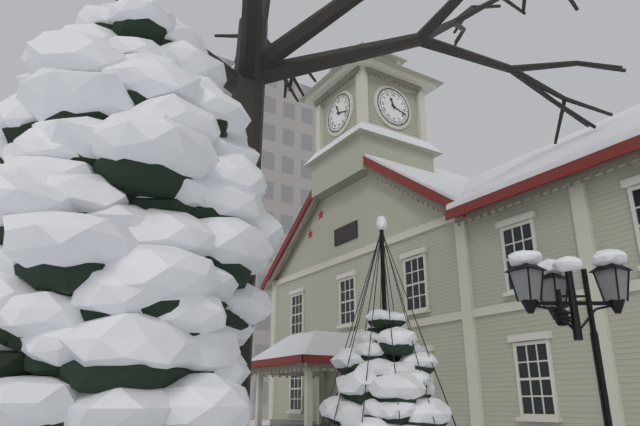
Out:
11.18
